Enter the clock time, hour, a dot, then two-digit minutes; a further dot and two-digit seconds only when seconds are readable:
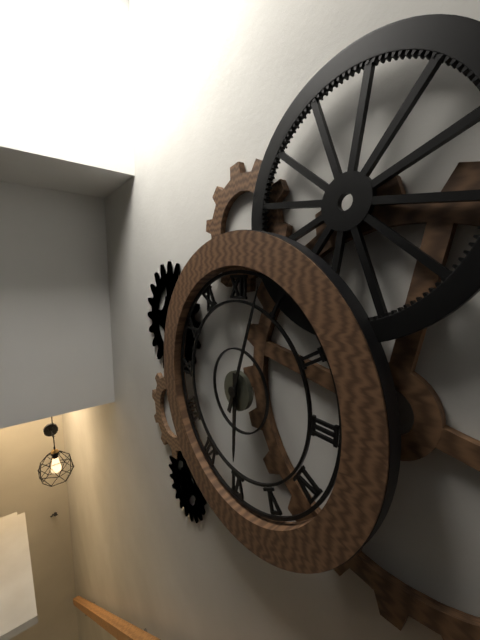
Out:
6.03
